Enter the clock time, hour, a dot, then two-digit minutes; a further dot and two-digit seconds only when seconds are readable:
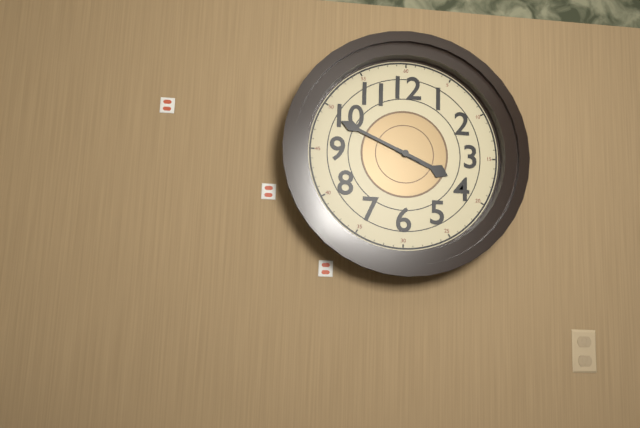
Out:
3.49
